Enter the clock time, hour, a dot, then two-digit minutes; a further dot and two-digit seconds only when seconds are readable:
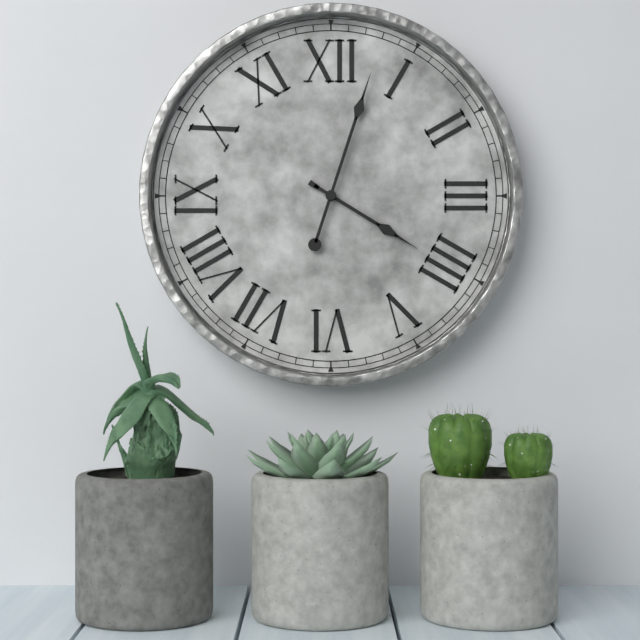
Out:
4.03
